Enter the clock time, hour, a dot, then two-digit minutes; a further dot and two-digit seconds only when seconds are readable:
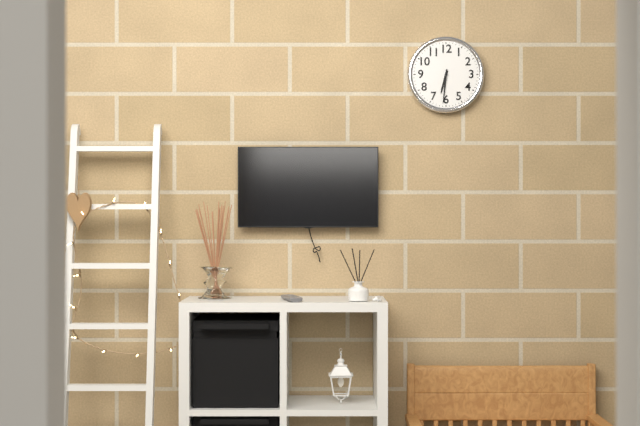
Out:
6.31
